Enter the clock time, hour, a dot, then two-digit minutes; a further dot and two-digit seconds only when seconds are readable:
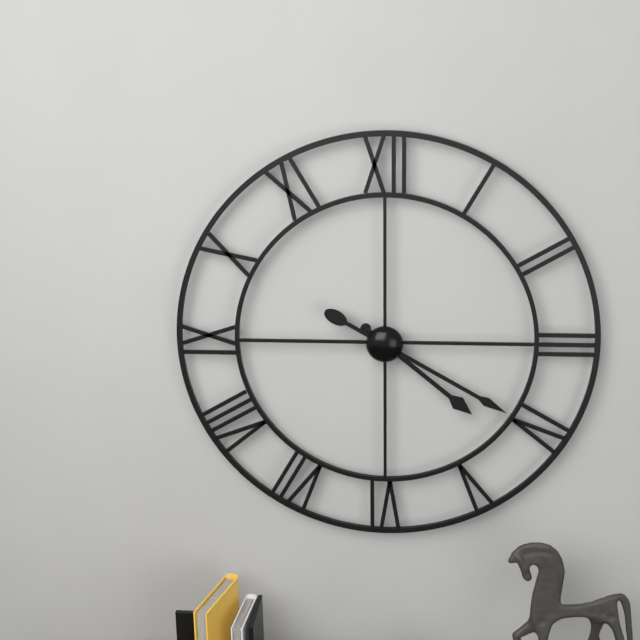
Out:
4.20
